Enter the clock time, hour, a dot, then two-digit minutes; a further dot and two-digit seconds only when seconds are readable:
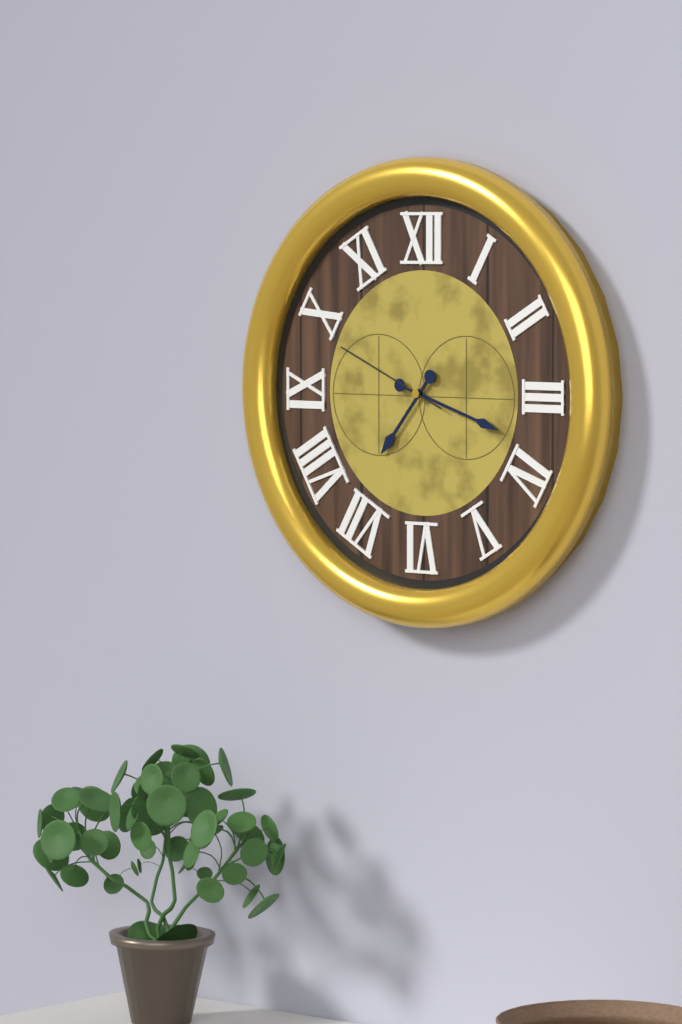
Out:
7.18.49
